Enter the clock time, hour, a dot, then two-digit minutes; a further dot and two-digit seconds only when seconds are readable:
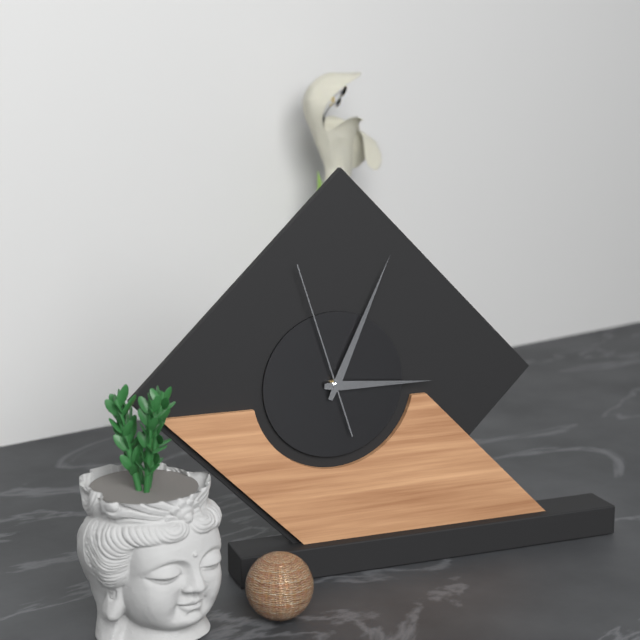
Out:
3.04.57
